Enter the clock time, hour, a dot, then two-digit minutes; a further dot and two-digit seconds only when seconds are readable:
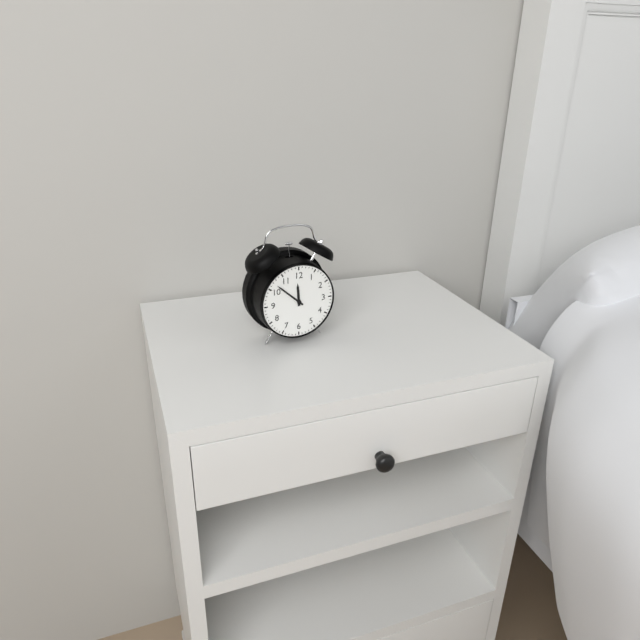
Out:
11.52
